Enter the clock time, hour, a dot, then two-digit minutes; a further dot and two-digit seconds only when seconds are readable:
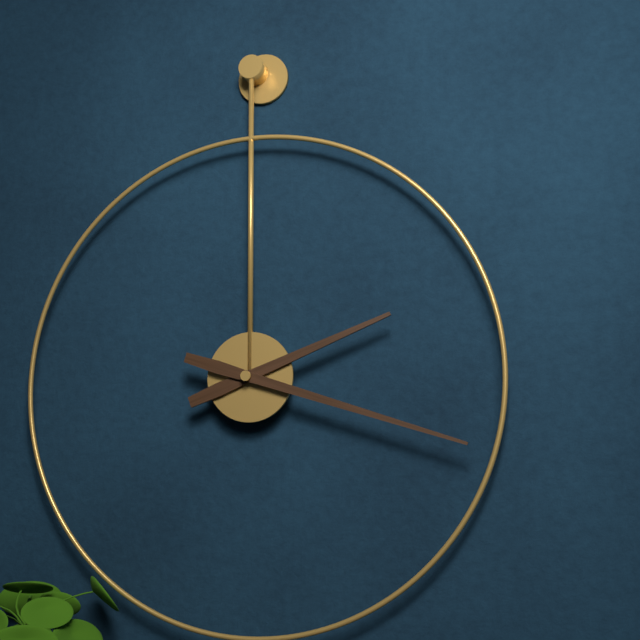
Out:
2.18
